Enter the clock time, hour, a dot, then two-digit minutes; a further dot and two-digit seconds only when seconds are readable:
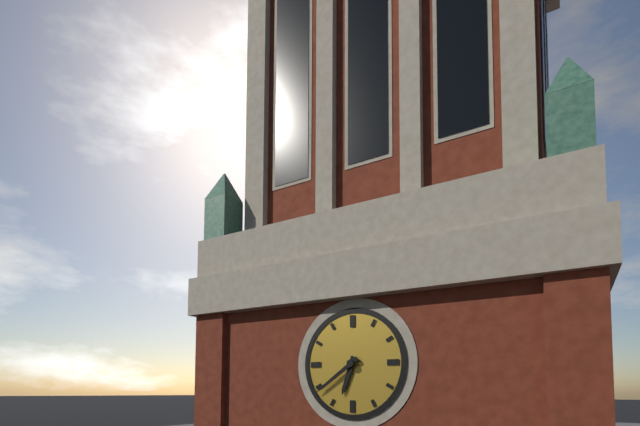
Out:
6.39
